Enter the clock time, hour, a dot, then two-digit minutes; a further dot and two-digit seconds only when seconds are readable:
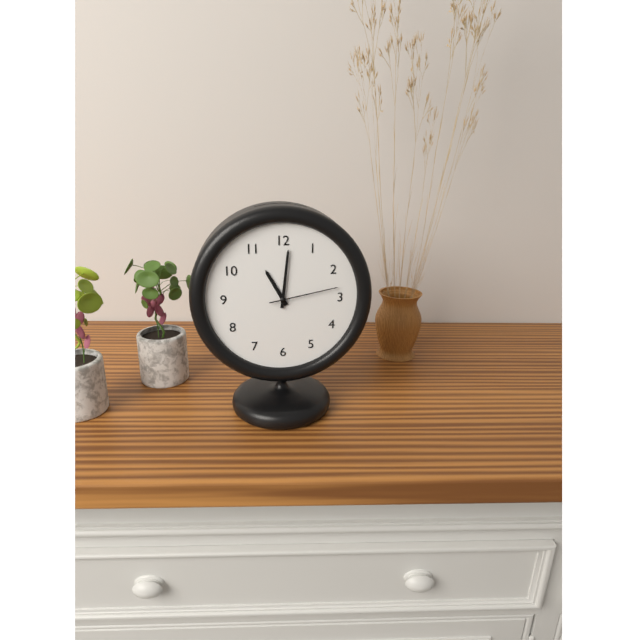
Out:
11.01.13
